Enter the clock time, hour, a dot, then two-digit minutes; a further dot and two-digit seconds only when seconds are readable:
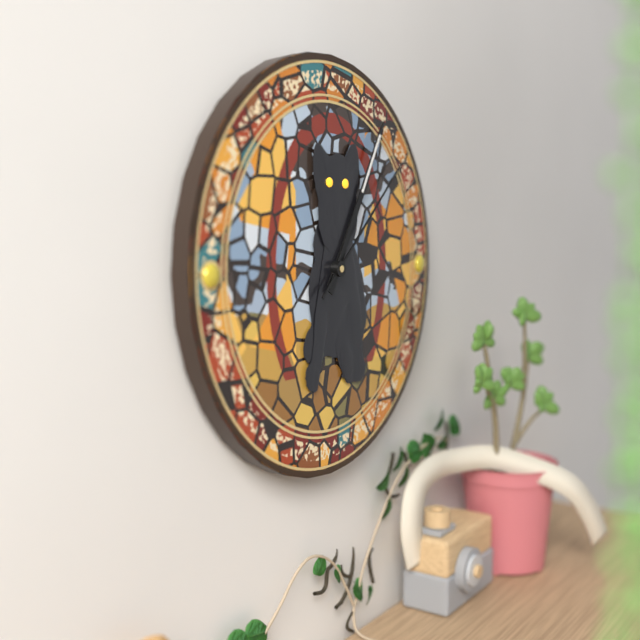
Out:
1.05.08
